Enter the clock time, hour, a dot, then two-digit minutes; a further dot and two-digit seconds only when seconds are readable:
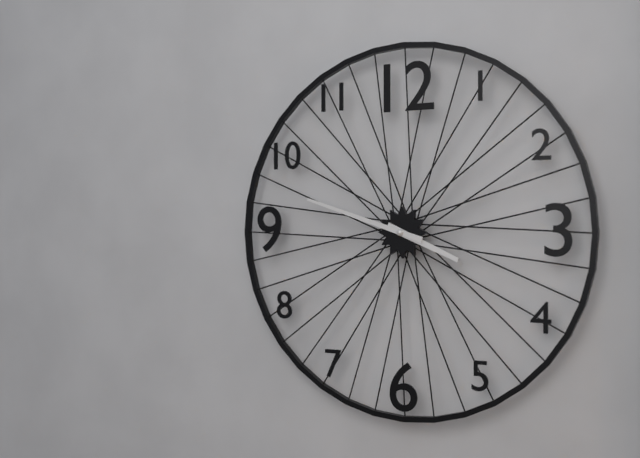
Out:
3.48
